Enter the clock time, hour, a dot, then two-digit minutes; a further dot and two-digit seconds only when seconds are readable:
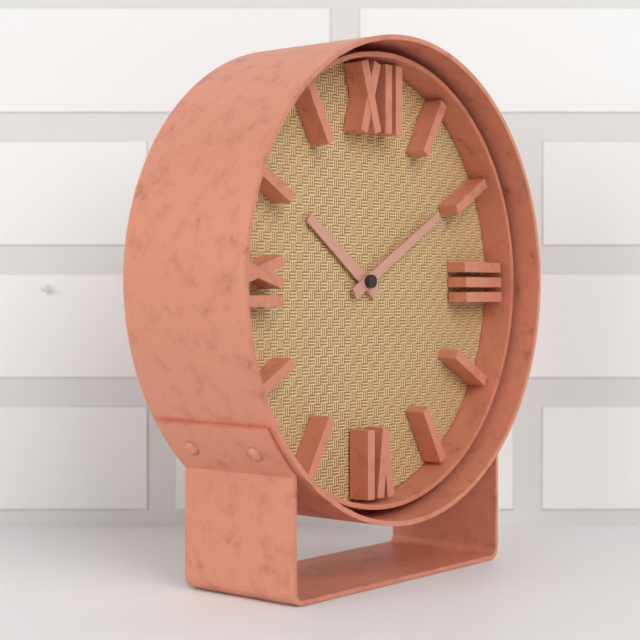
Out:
10.10
